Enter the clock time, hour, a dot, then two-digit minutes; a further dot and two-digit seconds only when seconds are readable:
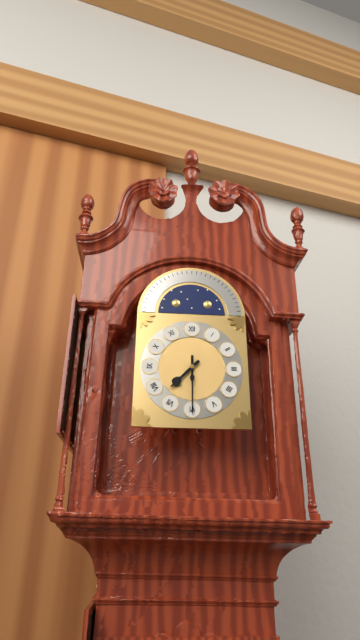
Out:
7.30
